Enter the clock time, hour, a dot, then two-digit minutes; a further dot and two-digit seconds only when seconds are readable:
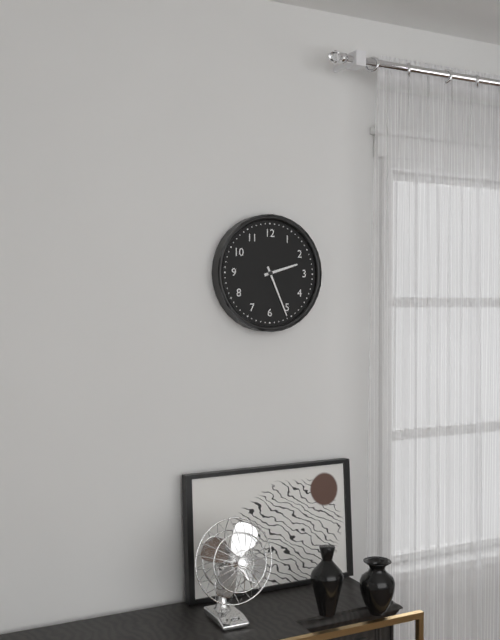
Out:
2.26
